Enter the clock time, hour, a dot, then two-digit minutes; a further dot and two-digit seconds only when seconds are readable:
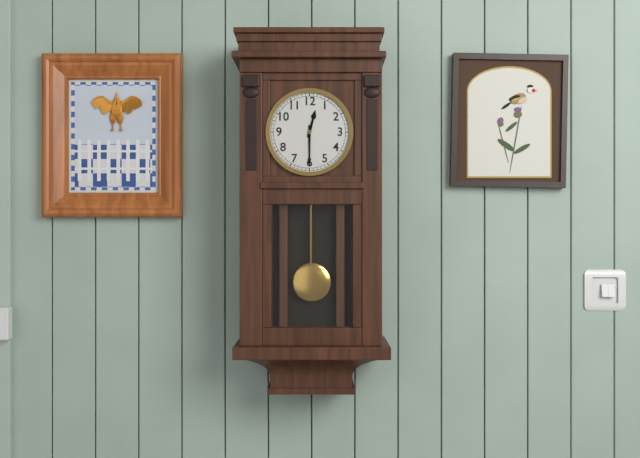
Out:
12.30
